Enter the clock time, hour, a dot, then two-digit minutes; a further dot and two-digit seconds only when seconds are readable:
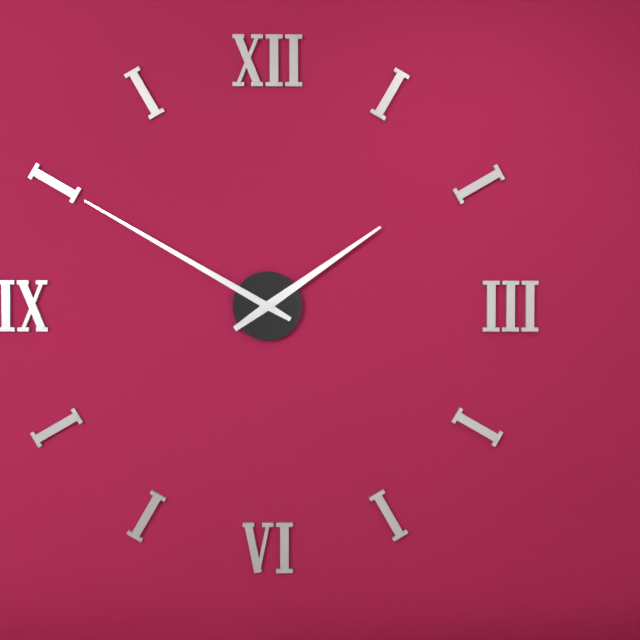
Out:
1.50
